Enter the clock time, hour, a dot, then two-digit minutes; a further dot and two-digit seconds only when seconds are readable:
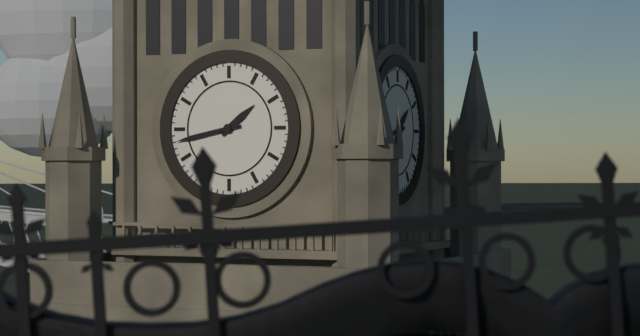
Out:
1.43
